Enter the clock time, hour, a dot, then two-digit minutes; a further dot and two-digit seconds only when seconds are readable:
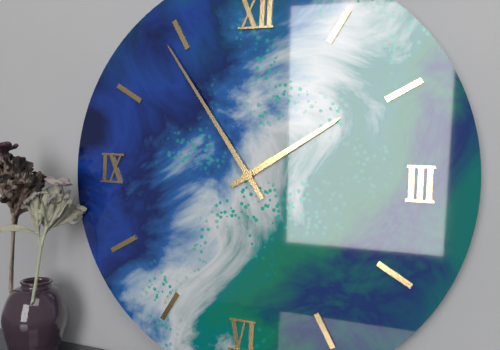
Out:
1.54
